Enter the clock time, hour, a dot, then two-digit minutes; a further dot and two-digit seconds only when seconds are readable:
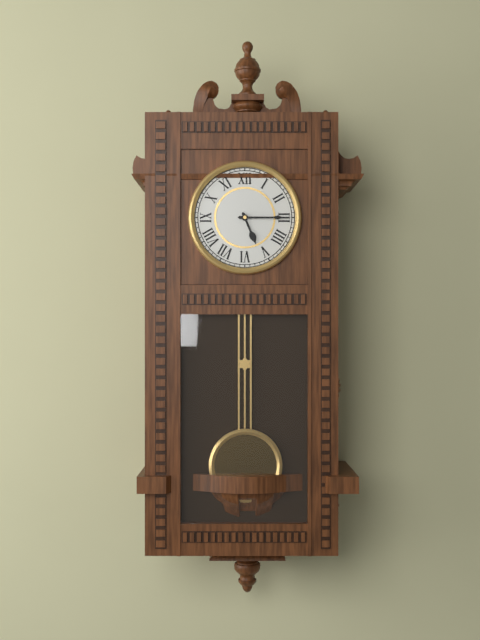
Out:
5.15
